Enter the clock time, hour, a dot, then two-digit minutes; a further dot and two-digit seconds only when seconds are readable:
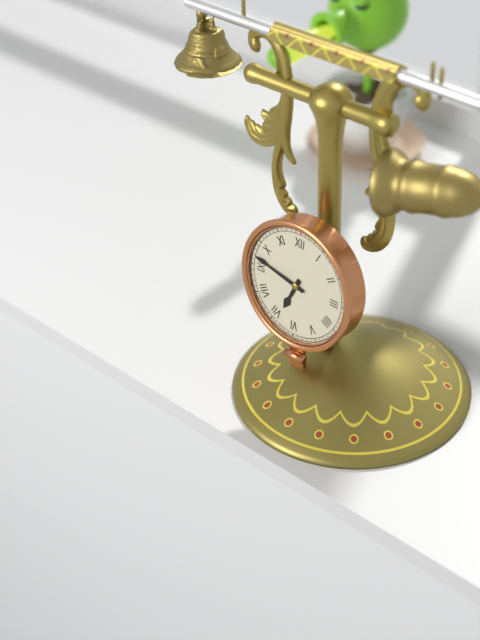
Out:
6.47
